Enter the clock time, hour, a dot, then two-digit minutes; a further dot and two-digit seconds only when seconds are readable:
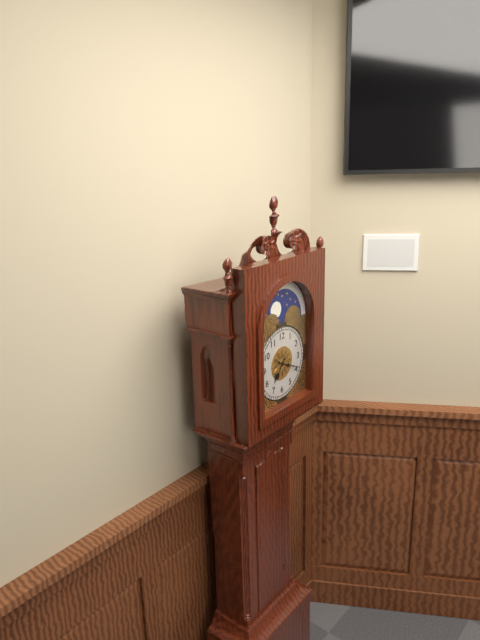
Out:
7.19
